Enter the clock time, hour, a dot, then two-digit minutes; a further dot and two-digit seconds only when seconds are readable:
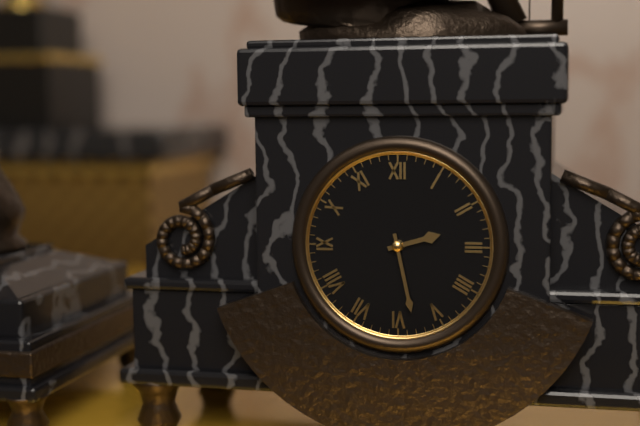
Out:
2.28
